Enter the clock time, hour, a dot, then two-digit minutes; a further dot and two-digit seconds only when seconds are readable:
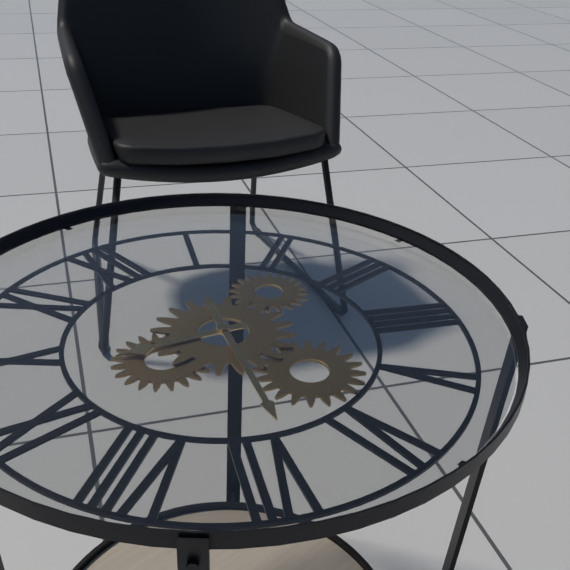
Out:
9.34
